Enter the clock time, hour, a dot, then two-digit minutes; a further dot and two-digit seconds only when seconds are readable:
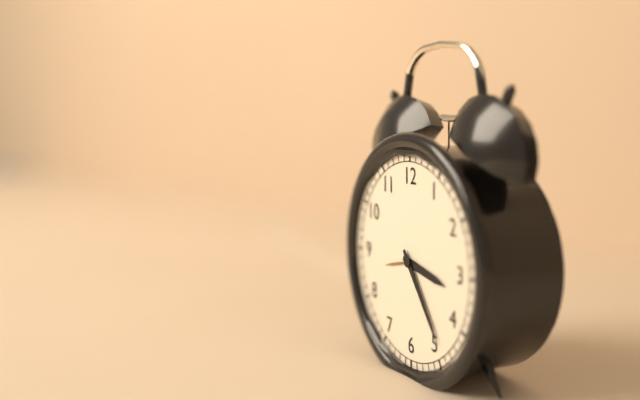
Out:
3.24
